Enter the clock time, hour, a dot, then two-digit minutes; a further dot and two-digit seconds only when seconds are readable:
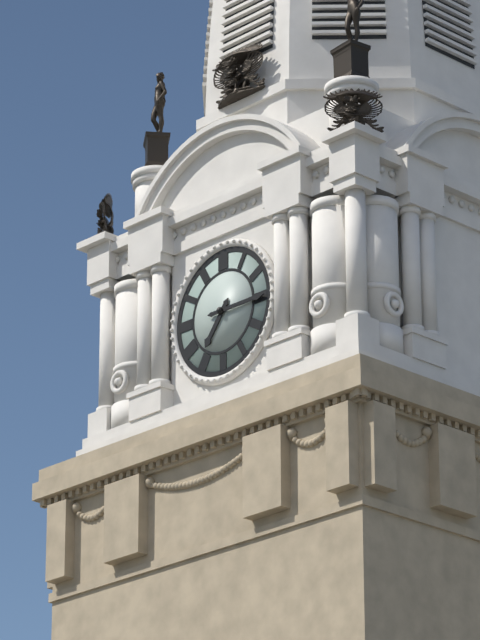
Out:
7.15
